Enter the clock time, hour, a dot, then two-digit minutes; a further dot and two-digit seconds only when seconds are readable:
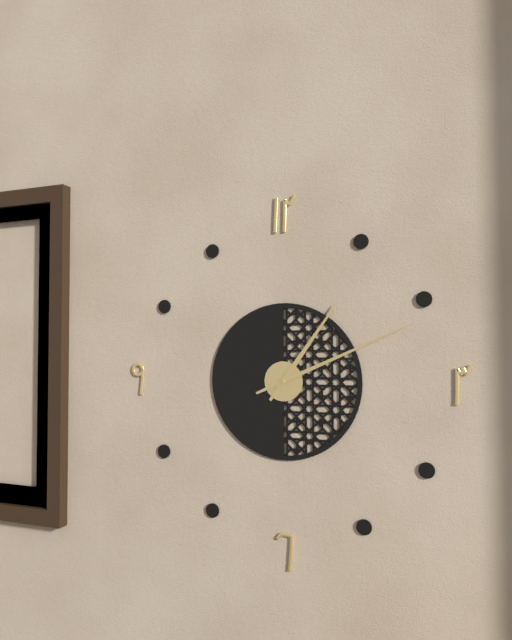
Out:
1.11
